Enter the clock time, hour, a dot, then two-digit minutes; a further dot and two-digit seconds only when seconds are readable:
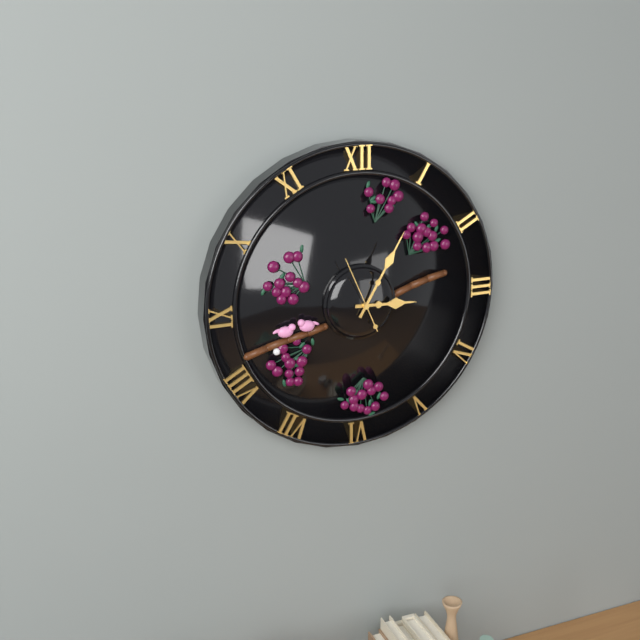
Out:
3.05.56
